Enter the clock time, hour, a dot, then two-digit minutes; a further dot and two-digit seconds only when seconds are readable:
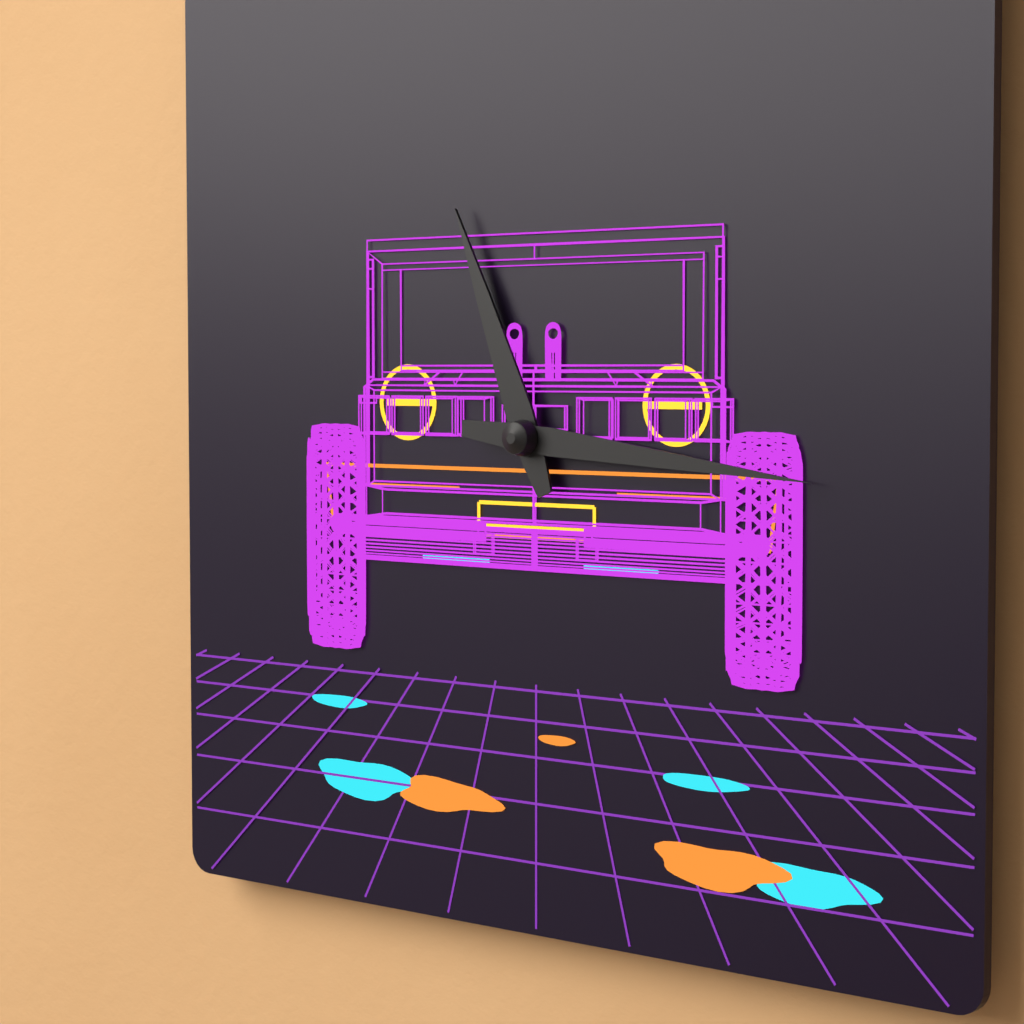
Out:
11.16
